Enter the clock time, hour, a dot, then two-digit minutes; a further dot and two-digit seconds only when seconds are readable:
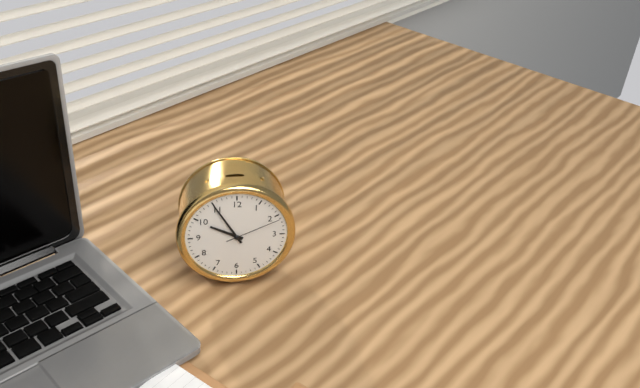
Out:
9.55.11
